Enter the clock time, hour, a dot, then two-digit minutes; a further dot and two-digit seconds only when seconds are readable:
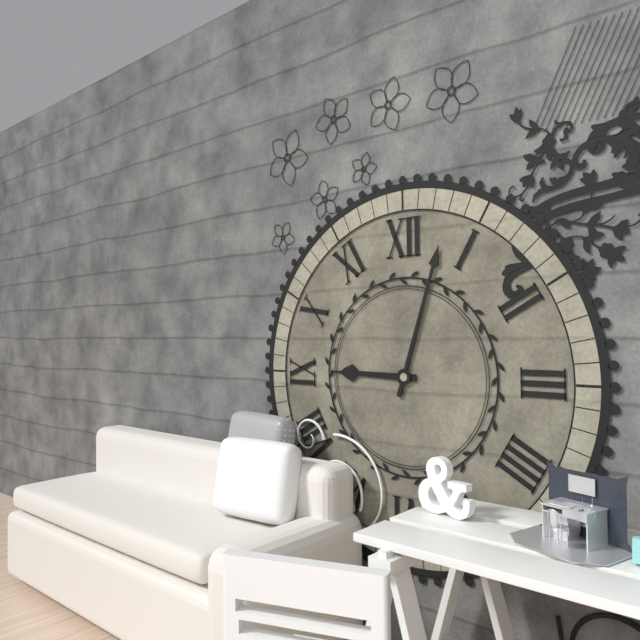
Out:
9.03
